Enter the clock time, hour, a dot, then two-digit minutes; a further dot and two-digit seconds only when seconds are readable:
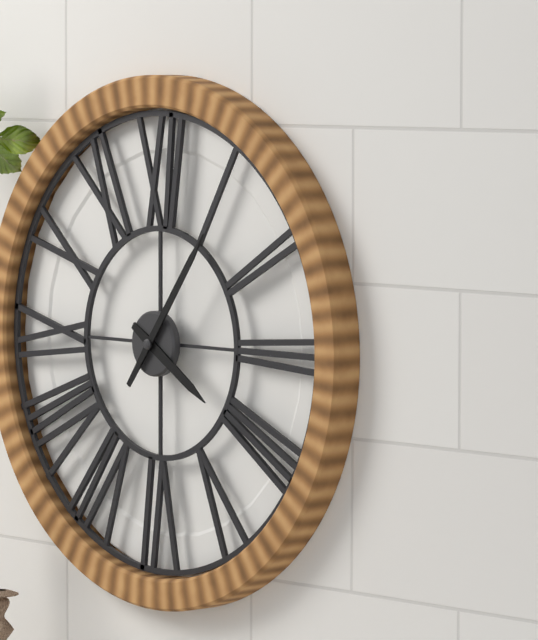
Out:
4.06
